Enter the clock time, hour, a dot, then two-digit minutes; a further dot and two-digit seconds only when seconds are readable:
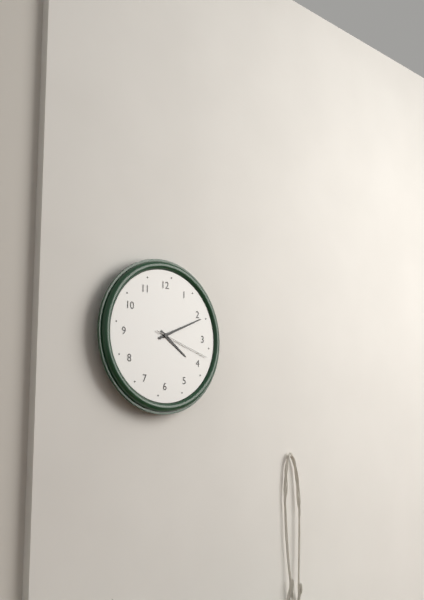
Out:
4.11.18
